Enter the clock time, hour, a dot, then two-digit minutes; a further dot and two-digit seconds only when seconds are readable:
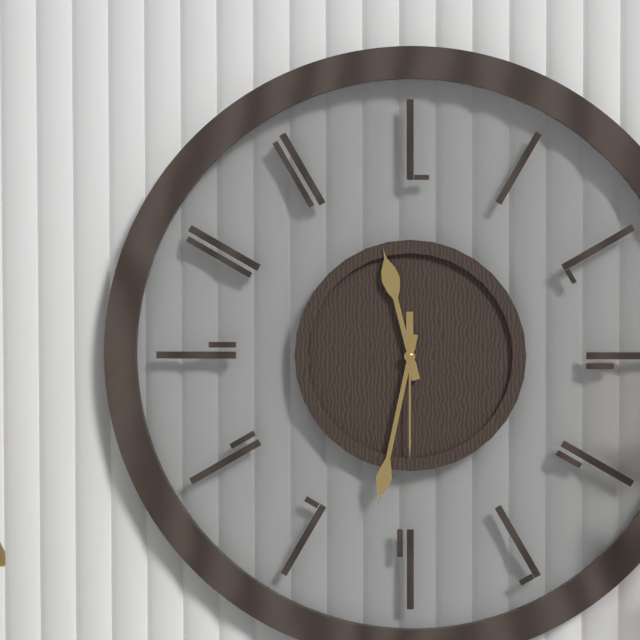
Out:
11.32.30
